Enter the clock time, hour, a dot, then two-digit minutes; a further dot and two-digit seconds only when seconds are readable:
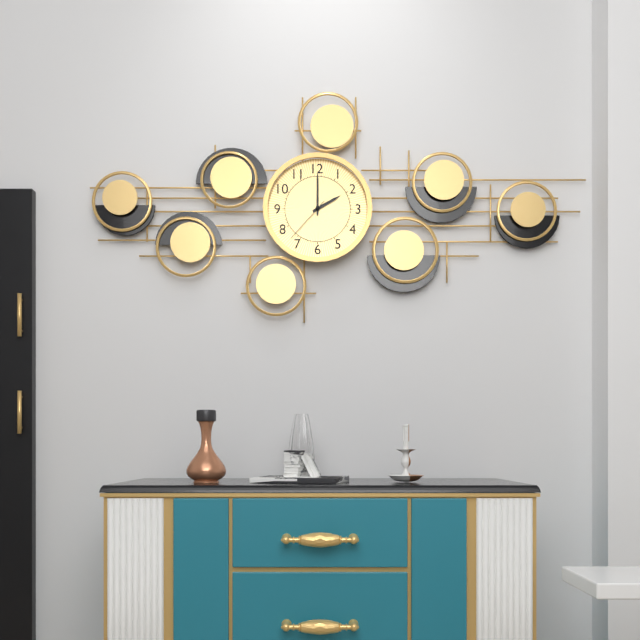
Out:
2.00
